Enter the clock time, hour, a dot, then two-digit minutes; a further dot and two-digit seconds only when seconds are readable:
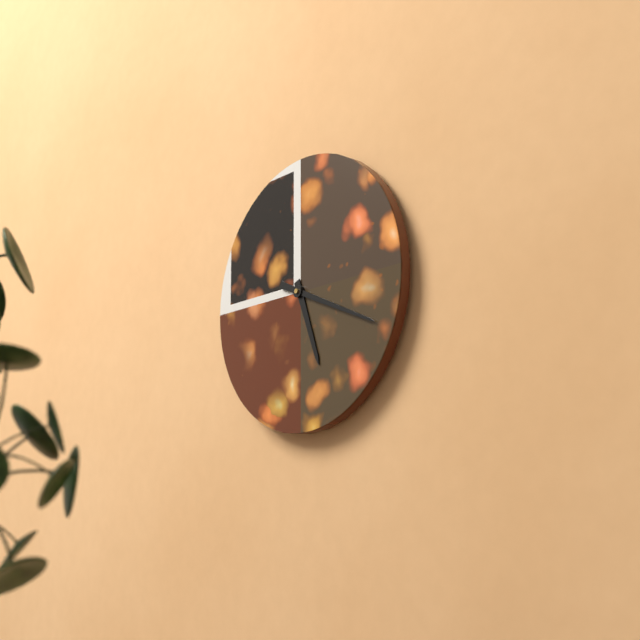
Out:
5.19
